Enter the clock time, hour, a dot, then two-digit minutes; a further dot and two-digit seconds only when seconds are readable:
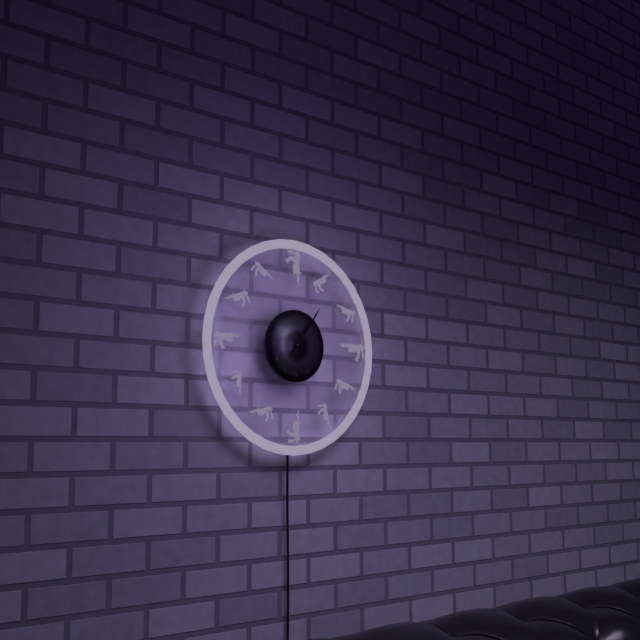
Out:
1.06
